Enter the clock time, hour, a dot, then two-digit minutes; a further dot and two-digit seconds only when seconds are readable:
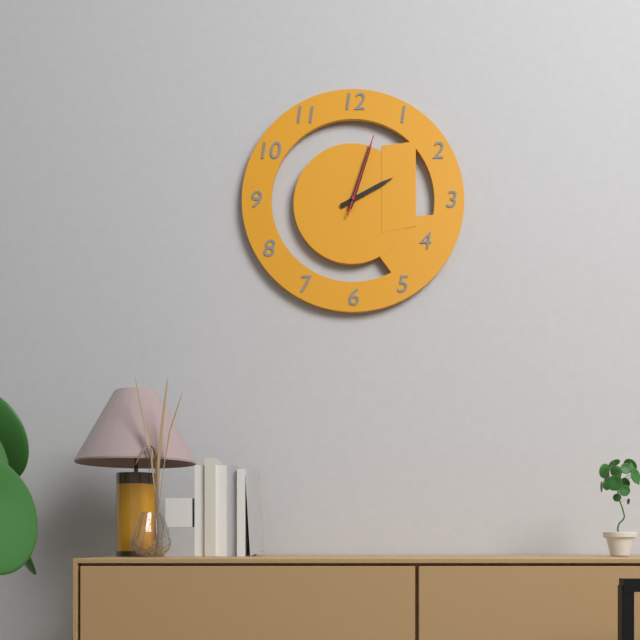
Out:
2.03.03
